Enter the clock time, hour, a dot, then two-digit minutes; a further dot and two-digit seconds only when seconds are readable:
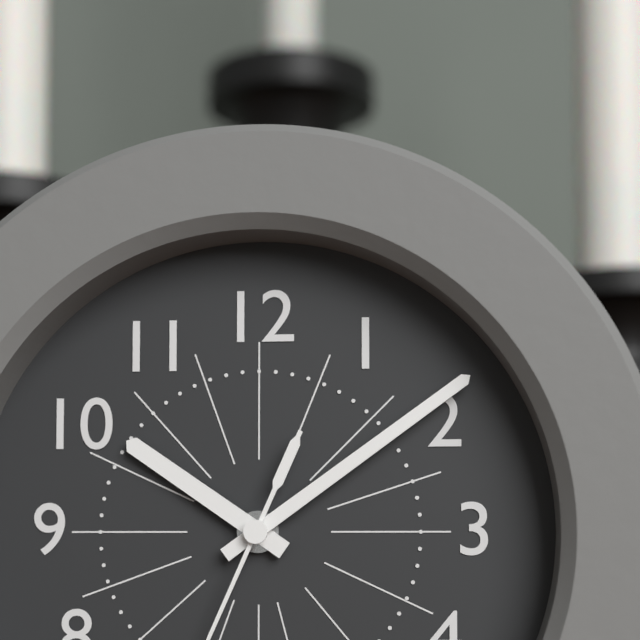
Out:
10.09
